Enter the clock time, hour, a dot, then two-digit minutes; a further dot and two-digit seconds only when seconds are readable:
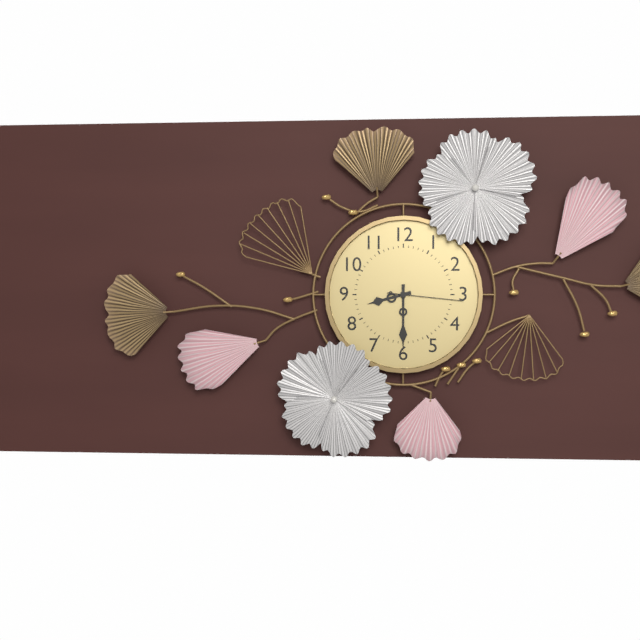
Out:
8.30.16
